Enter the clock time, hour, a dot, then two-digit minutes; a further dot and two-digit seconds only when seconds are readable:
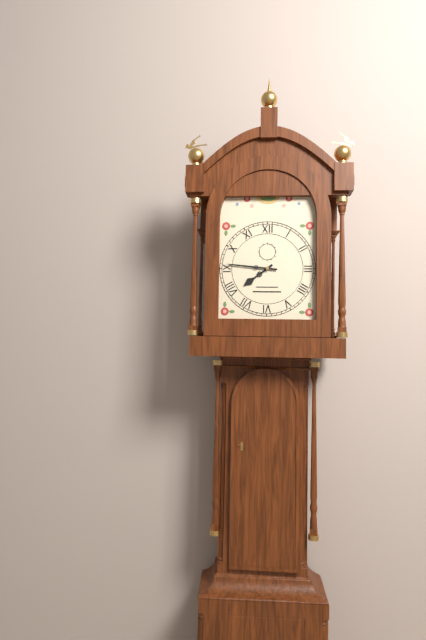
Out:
7.46
